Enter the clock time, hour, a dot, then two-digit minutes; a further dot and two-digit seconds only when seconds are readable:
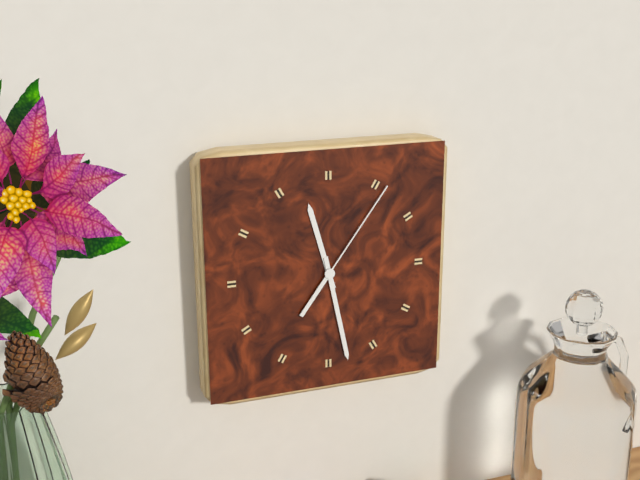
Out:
11.28.06
